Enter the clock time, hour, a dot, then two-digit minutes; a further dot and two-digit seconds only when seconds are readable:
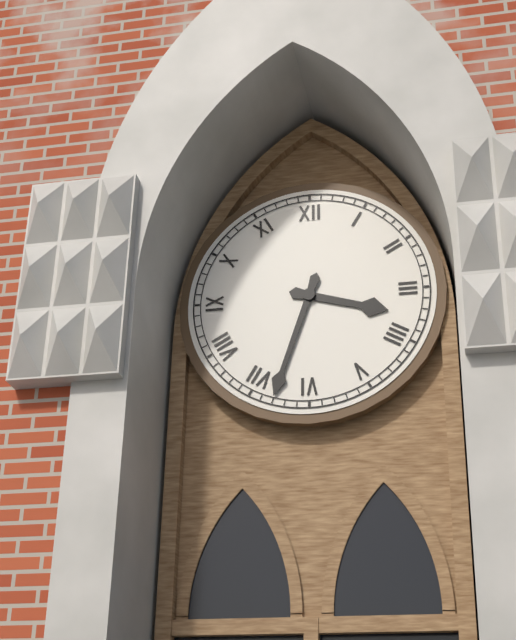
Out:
3.33
